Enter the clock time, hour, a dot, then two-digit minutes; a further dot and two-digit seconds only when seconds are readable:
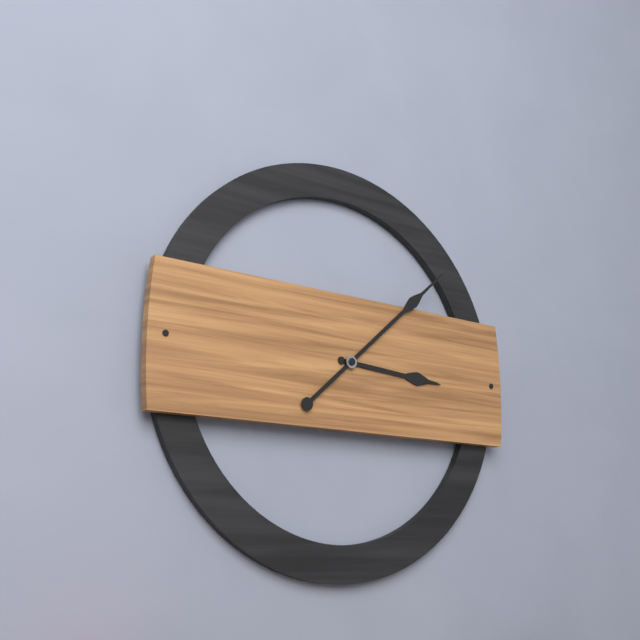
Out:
3.08
